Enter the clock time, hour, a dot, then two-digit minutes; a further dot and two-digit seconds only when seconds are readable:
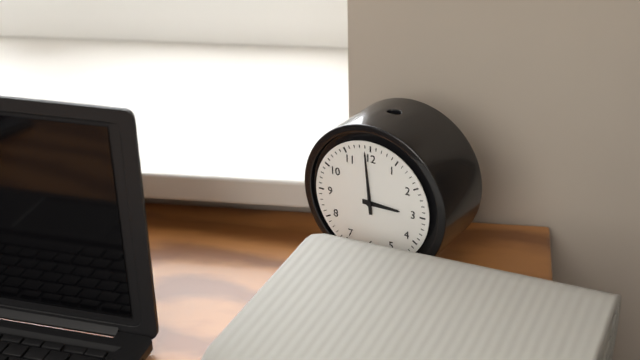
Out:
2.59
